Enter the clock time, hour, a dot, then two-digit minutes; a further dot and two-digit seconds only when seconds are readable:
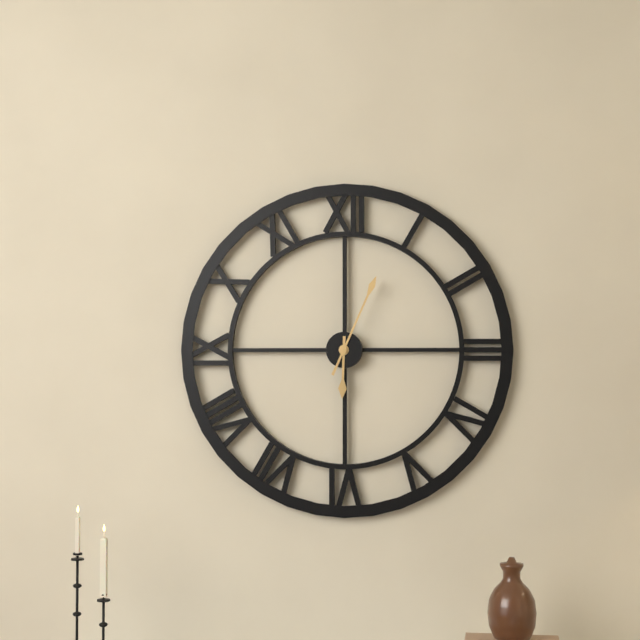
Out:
6.04
